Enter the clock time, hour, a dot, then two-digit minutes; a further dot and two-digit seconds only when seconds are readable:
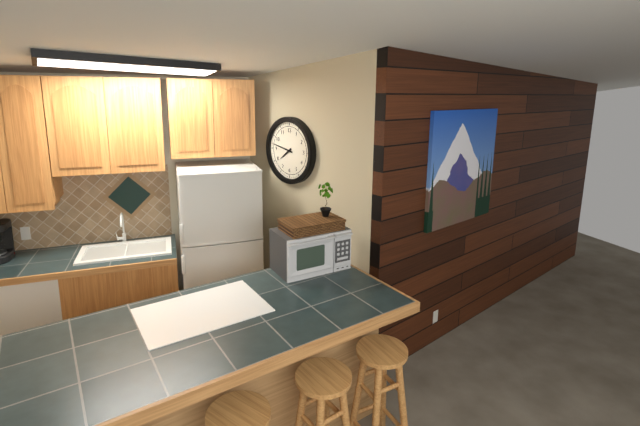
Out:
7.47
